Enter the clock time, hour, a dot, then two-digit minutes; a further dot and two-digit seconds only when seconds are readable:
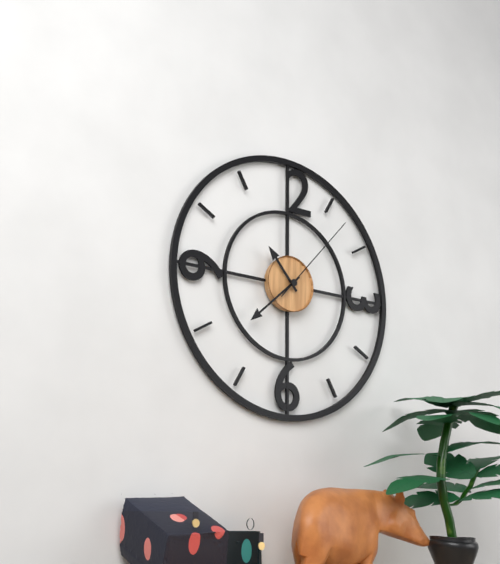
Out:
10.38.07
